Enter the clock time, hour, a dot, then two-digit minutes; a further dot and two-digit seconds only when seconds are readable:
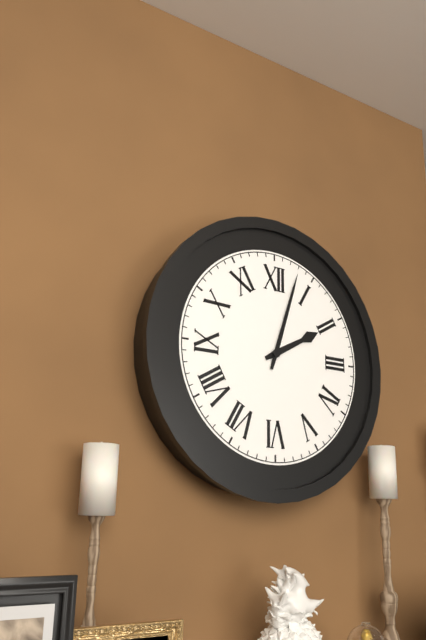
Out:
2.03
